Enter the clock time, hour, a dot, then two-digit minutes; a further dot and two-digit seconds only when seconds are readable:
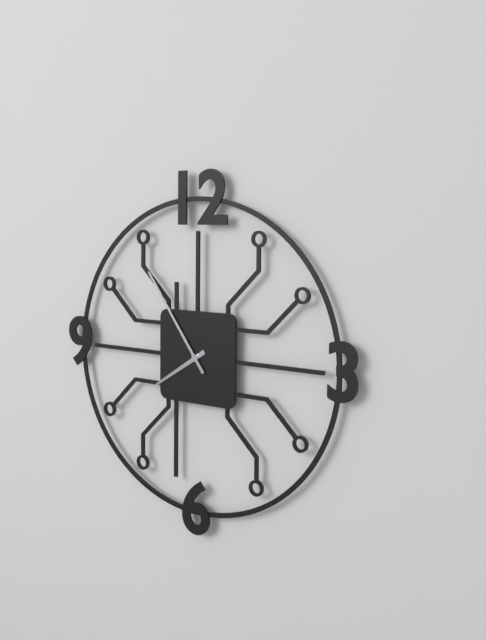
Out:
7.54
